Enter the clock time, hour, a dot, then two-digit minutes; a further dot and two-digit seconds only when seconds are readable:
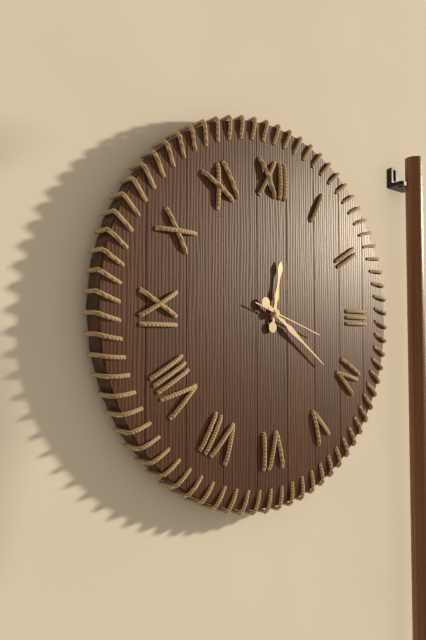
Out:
12.21.18
